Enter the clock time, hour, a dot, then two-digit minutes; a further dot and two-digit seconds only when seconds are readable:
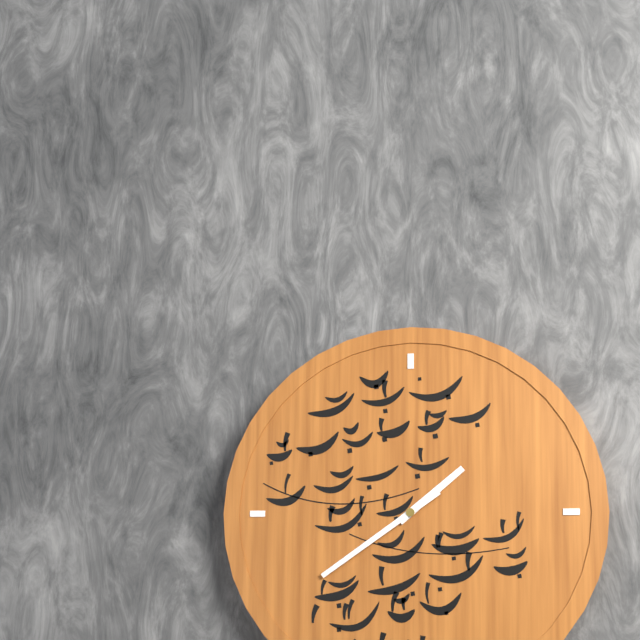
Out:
1.39
